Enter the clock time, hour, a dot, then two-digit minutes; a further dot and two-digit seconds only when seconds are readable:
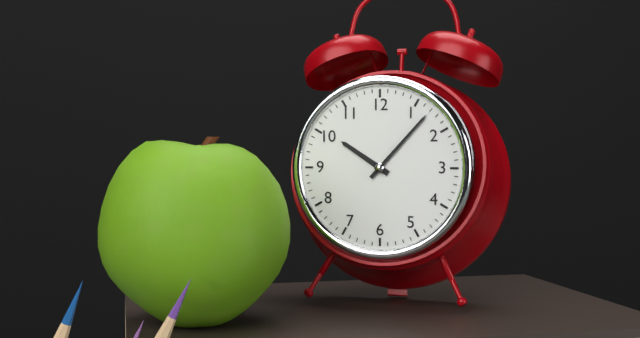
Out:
10.07
